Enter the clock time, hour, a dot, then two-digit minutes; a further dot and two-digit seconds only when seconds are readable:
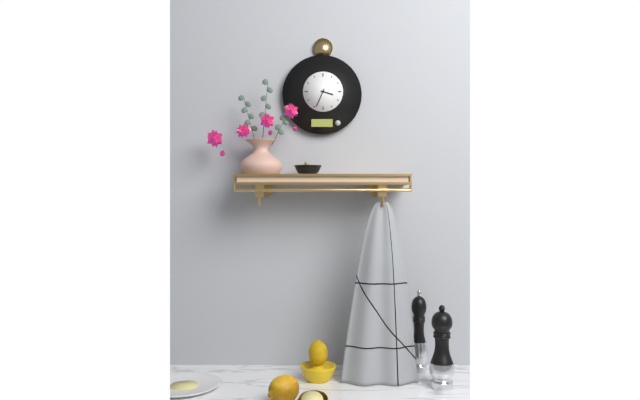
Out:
3.34
